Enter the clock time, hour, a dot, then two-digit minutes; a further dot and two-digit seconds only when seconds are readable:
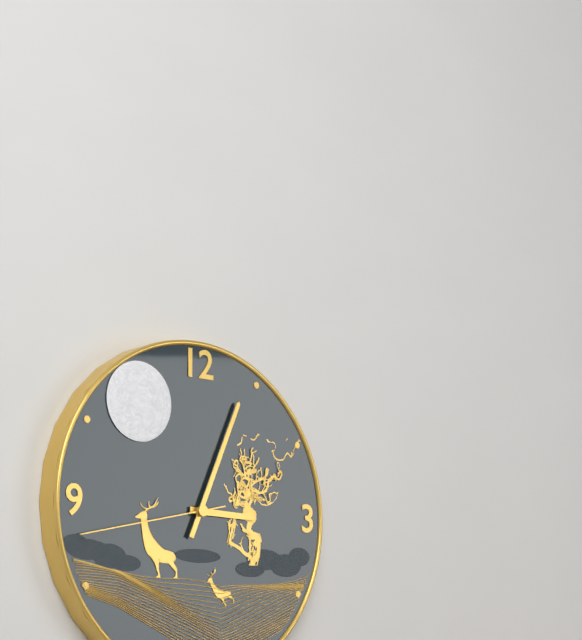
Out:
3.04.43
